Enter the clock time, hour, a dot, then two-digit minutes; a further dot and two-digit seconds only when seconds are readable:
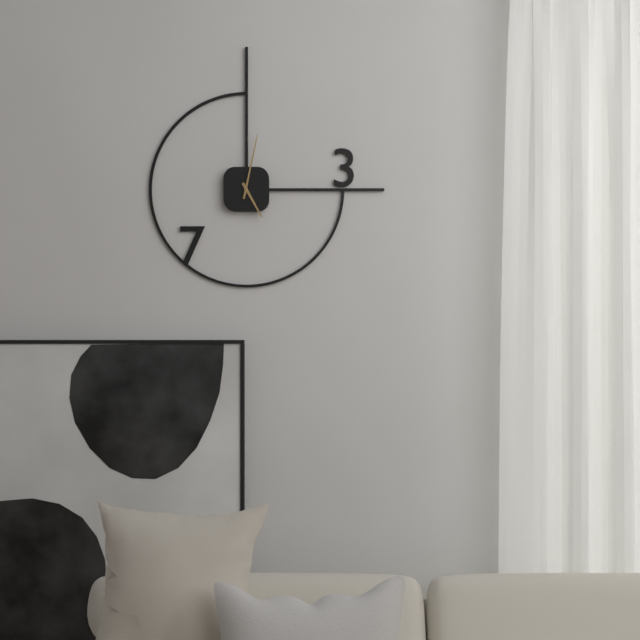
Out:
5.02
